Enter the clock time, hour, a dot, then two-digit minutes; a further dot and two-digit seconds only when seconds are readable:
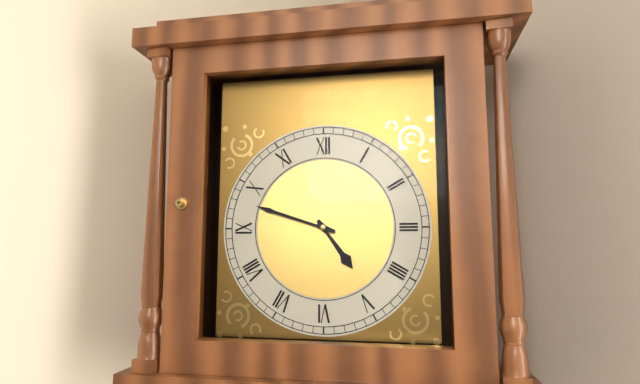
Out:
4.48
